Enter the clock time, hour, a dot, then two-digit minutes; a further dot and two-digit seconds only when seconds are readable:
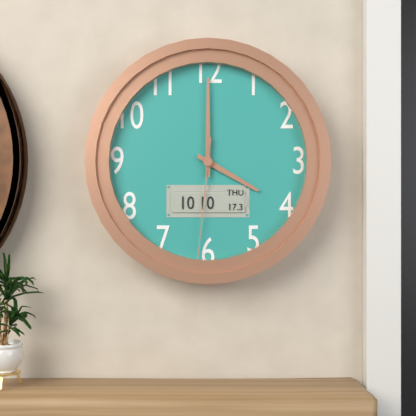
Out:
4.00.31
